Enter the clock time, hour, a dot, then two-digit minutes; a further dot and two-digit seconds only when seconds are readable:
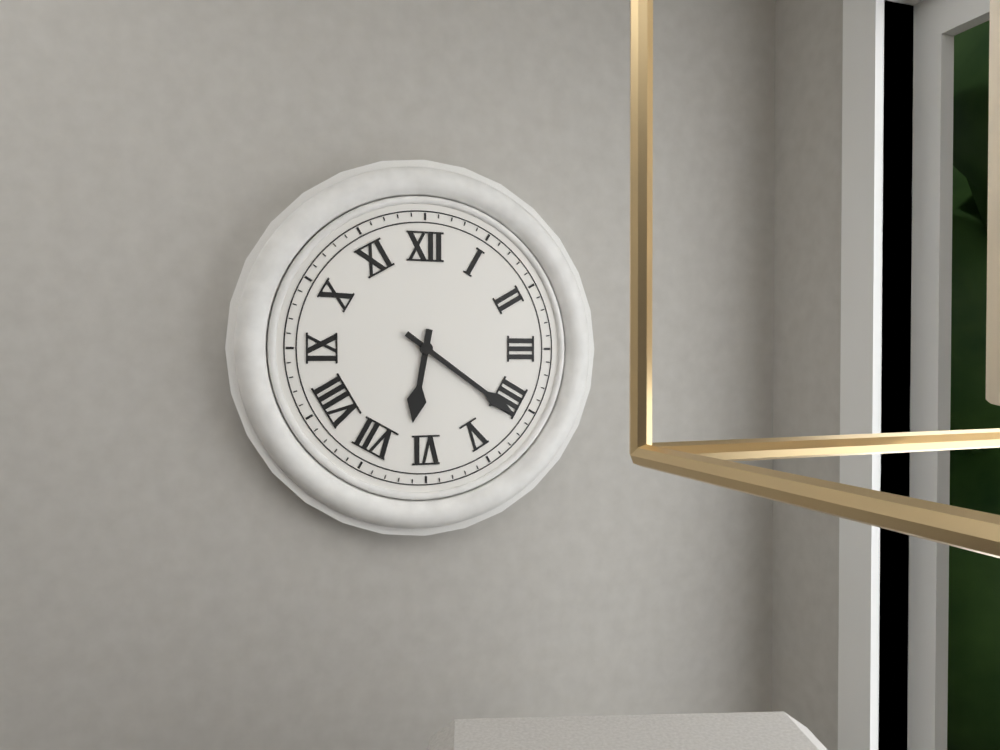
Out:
6.21
